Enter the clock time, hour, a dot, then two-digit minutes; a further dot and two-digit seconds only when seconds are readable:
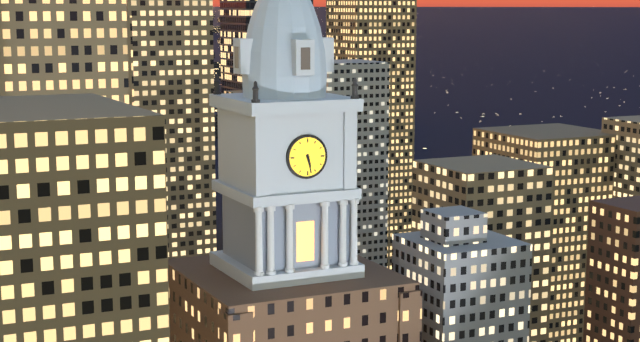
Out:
5.28
